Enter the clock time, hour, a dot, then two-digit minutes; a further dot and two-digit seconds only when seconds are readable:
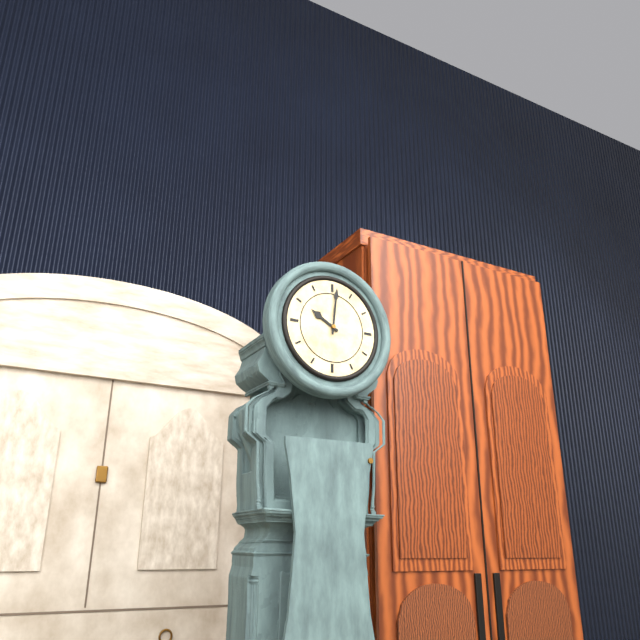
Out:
10.01
